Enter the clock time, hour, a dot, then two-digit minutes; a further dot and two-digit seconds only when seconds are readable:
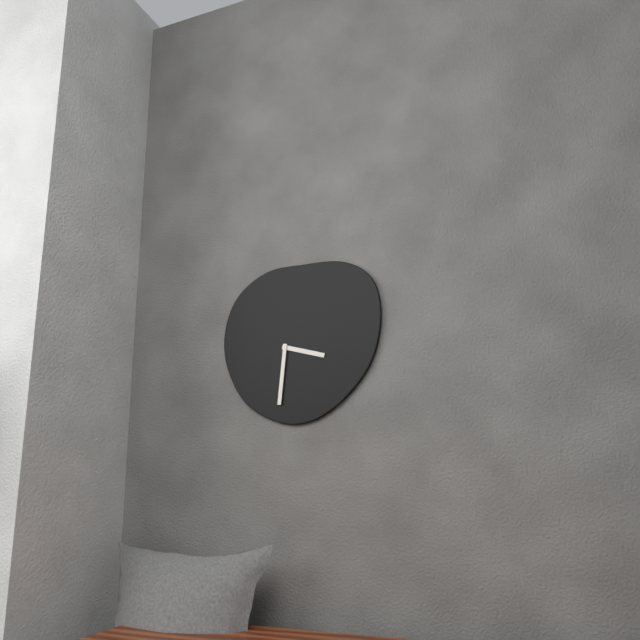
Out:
3.31
